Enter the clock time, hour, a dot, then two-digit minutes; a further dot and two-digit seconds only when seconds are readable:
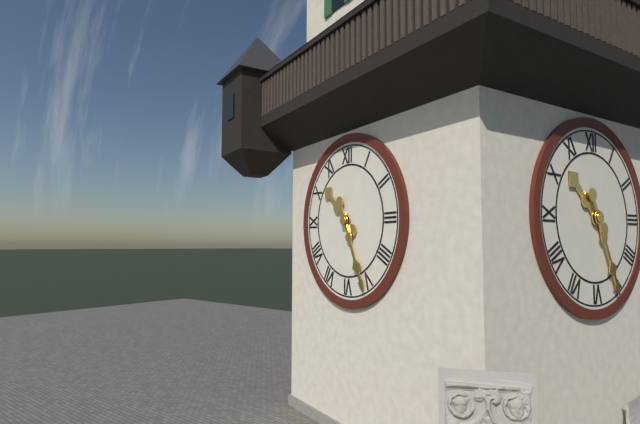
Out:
10.26
